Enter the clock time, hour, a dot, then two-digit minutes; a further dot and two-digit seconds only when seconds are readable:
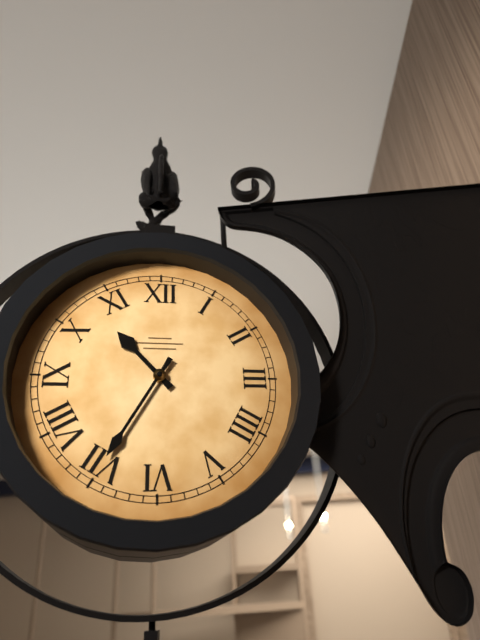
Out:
10.35
